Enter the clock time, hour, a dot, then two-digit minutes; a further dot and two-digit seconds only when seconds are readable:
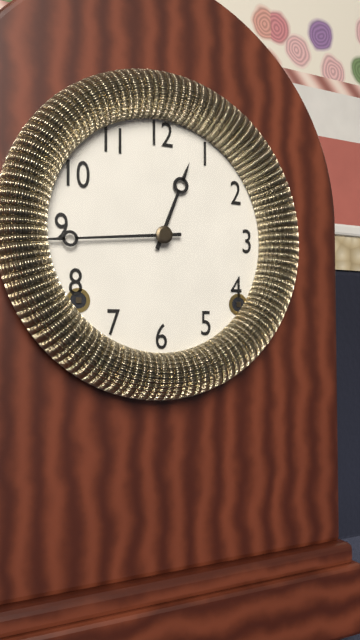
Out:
12.44
